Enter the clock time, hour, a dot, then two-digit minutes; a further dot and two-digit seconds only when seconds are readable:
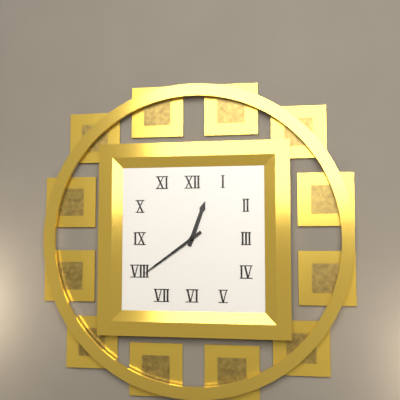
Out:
12.39
